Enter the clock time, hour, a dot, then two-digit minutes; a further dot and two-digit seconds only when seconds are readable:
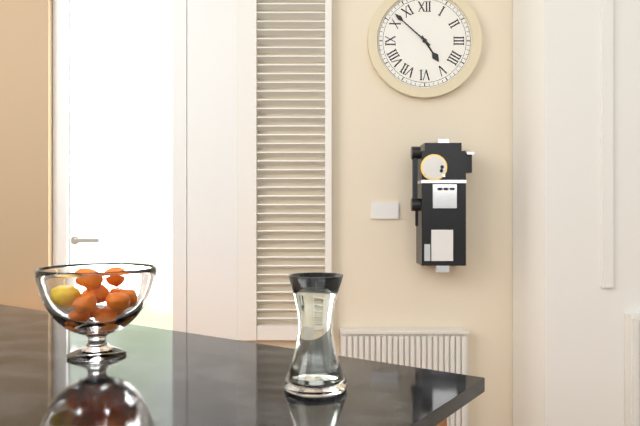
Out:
4.52
